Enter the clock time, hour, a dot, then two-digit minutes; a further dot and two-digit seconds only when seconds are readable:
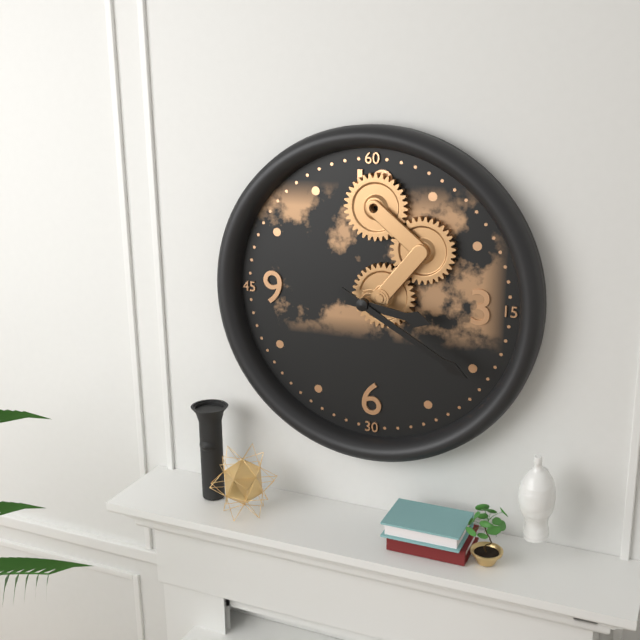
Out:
3.20
